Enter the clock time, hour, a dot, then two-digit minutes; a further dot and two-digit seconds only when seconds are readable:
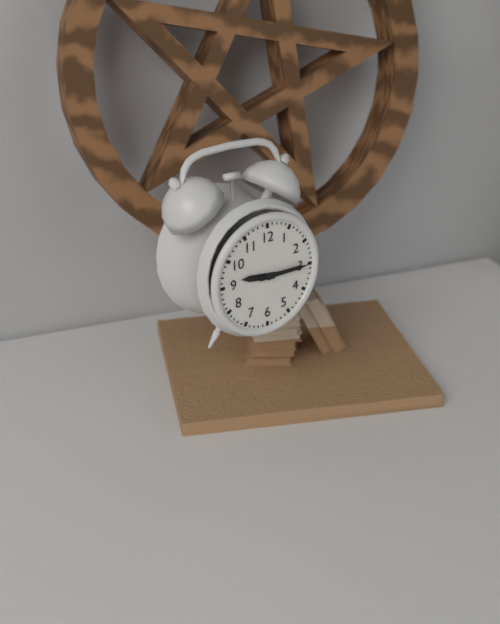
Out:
9.15
